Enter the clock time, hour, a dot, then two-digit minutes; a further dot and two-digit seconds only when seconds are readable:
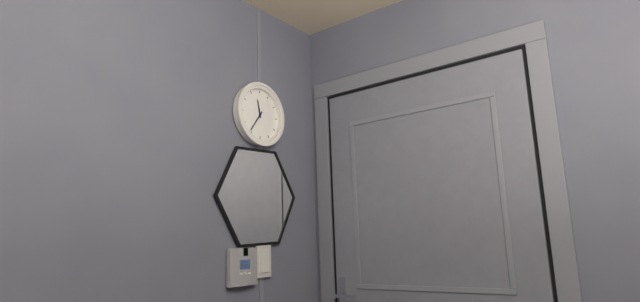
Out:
11.36
